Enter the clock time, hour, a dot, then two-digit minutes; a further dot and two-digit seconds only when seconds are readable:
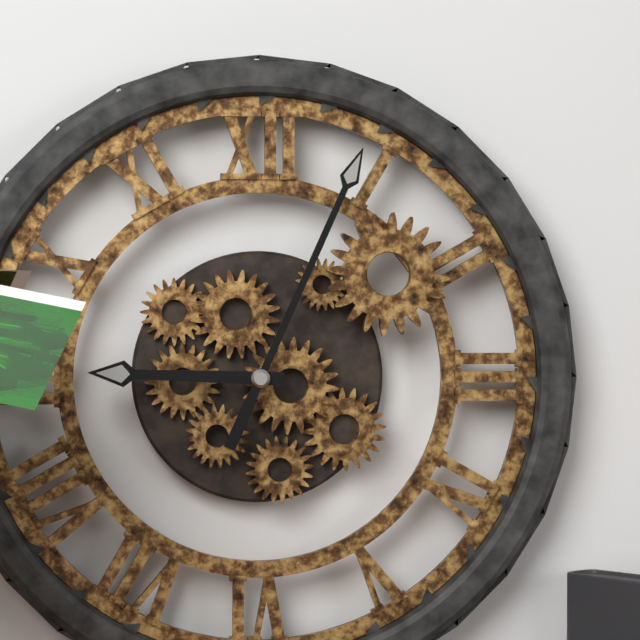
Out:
9.04
